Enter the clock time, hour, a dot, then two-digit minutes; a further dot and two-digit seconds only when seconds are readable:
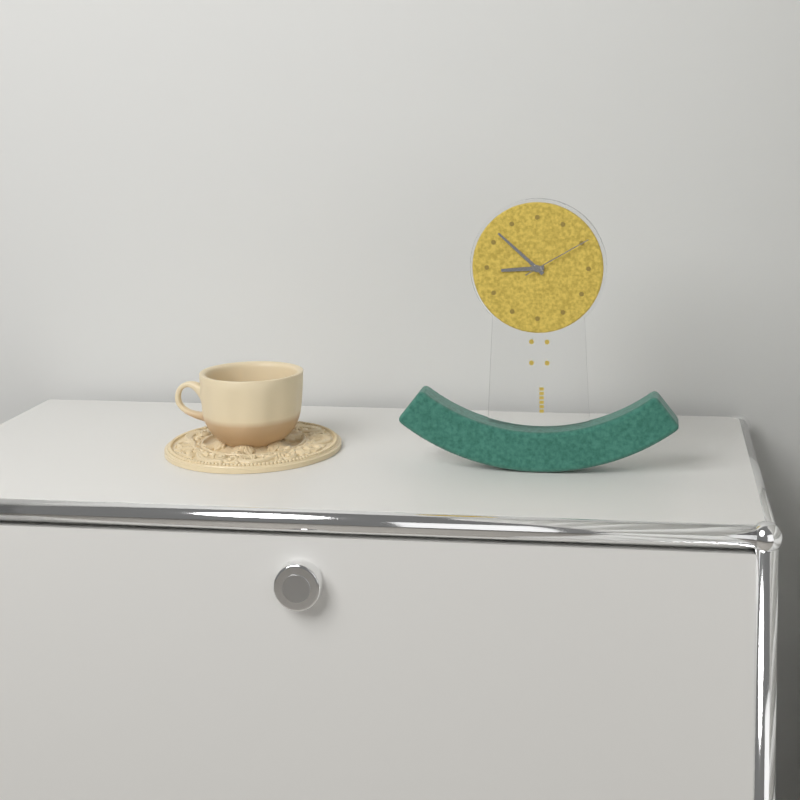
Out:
8.52.10
